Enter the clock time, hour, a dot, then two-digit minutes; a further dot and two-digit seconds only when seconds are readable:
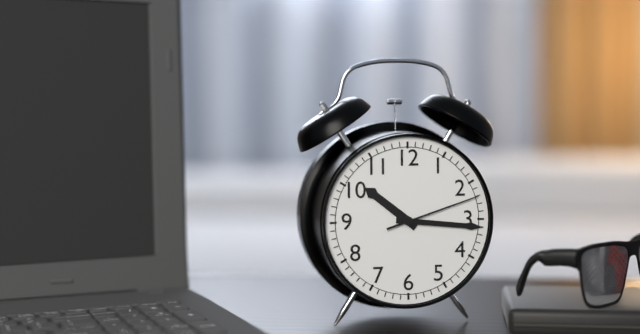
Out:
10.16.12
